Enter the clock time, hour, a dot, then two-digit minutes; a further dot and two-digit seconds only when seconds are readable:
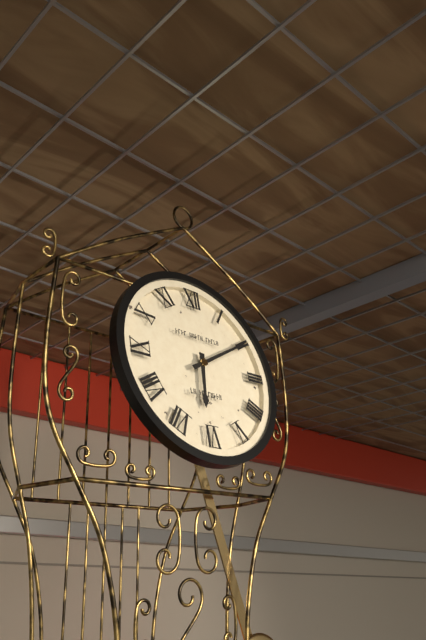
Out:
6.10
